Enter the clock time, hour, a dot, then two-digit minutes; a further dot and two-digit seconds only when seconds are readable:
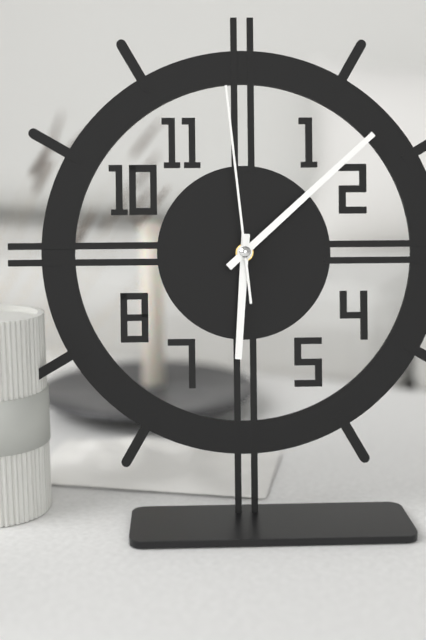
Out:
6.08.59
